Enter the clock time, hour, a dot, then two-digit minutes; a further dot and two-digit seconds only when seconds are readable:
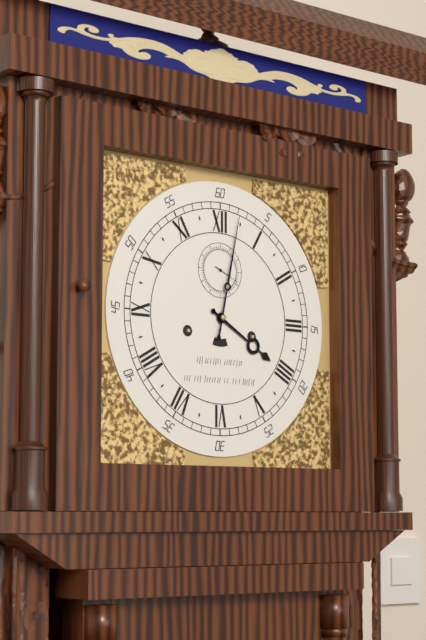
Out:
4.02
